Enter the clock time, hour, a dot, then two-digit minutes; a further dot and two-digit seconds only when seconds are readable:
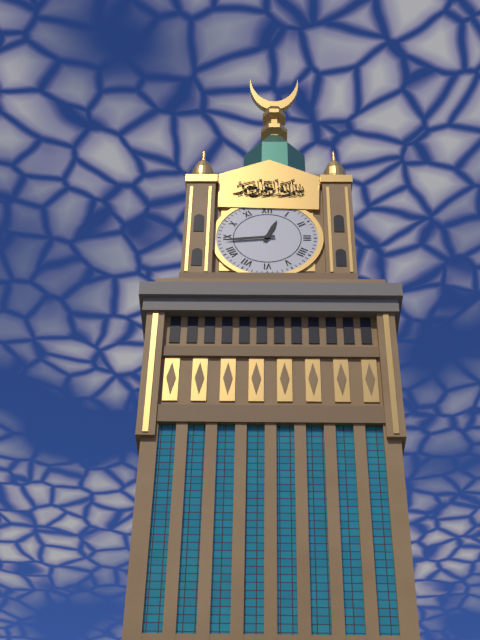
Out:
12.44
